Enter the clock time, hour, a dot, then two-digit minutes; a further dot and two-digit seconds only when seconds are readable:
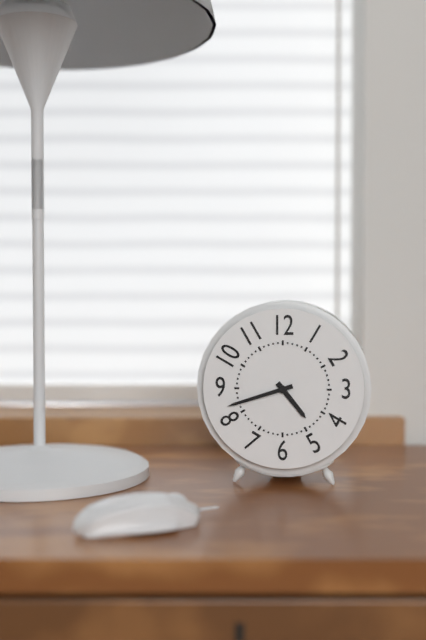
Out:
4.42
